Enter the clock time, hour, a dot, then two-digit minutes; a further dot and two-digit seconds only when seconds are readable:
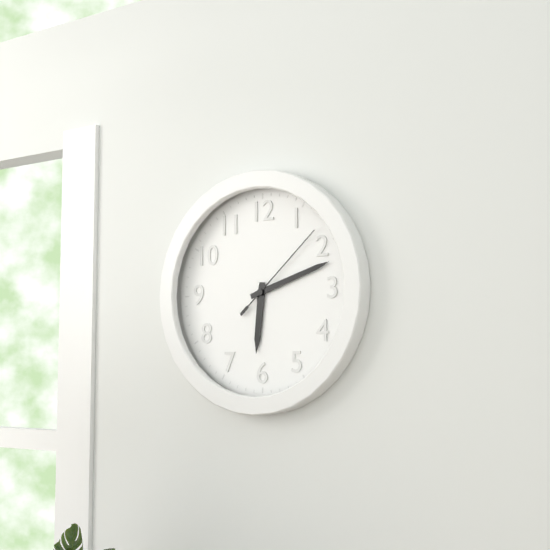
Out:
6.12.08
